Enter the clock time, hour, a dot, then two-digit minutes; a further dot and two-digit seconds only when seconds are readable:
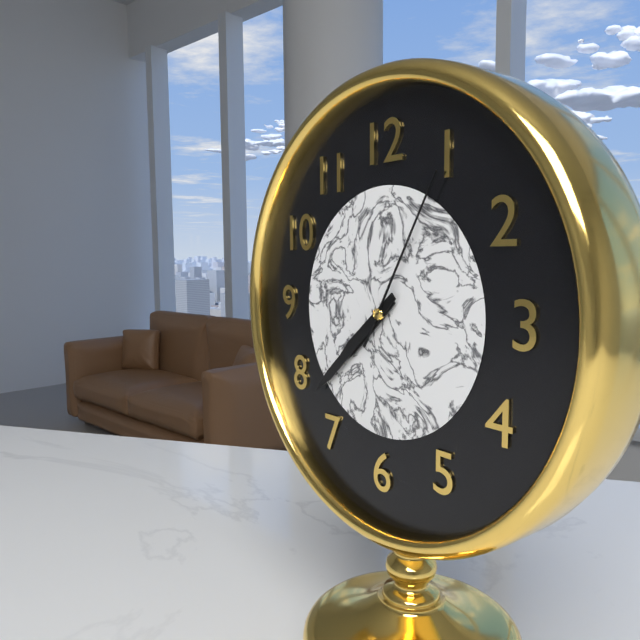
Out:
7.38.05
